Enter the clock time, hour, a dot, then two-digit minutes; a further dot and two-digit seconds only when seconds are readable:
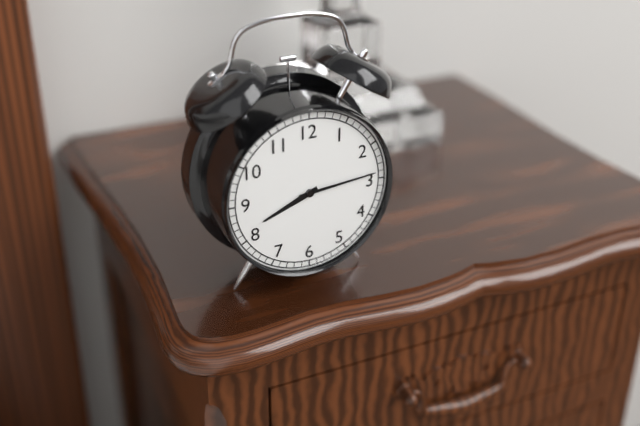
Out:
8.14
